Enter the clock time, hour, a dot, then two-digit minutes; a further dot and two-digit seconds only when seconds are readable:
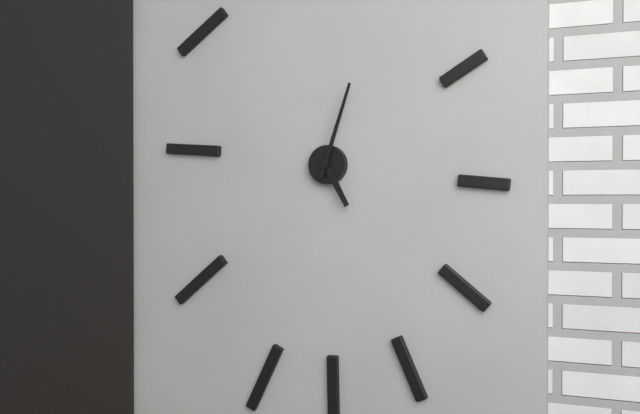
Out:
5.03
